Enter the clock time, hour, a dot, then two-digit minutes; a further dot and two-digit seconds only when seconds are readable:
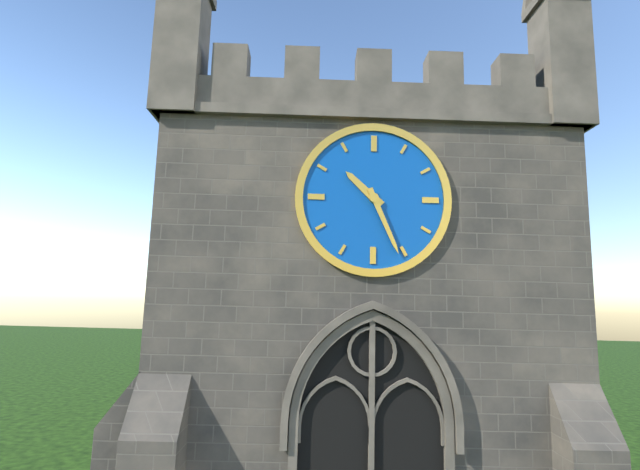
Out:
10.26
